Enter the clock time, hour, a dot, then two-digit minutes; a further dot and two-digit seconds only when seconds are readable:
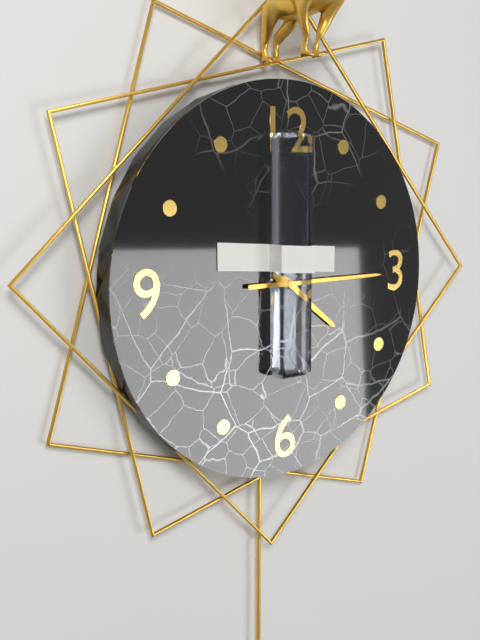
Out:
4.15
